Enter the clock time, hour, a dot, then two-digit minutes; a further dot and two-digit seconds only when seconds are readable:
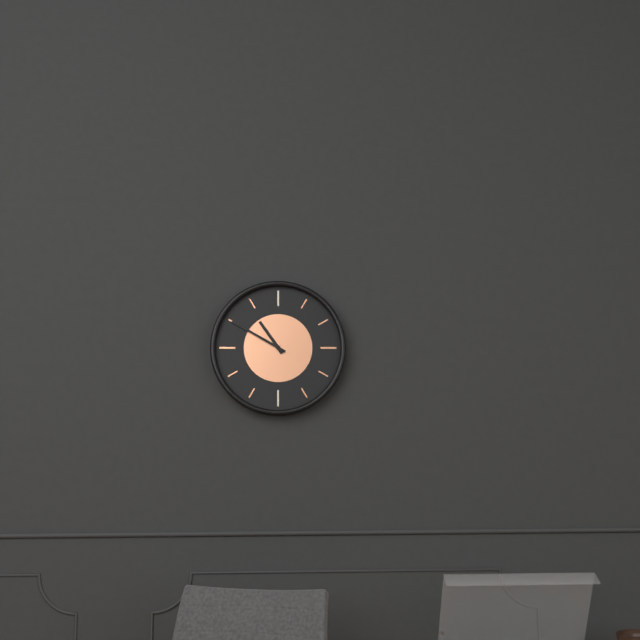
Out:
10.50
